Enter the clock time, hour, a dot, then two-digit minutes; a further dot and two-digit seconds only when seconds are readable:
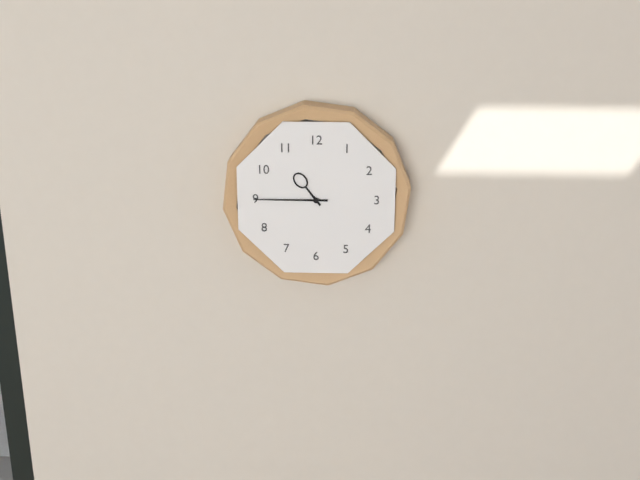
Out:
10.45
